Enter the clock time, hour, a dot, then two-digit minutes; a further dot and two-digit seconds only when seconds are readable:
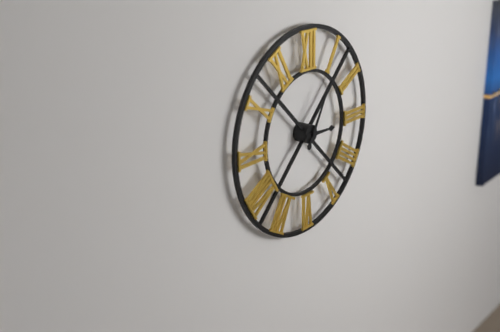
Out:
3.05
